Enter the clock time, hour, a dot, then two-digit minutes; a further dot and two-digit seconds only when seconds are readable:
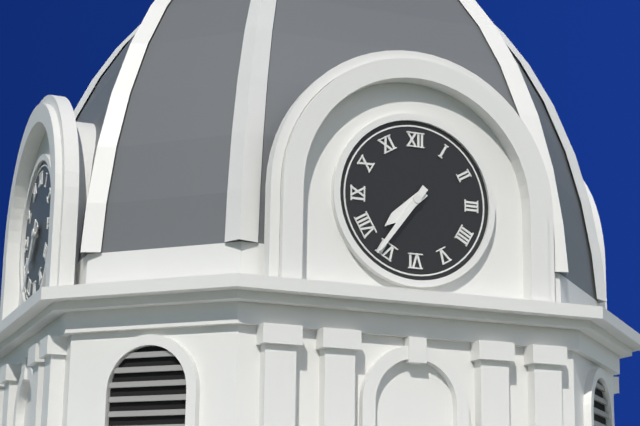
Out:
7.36
